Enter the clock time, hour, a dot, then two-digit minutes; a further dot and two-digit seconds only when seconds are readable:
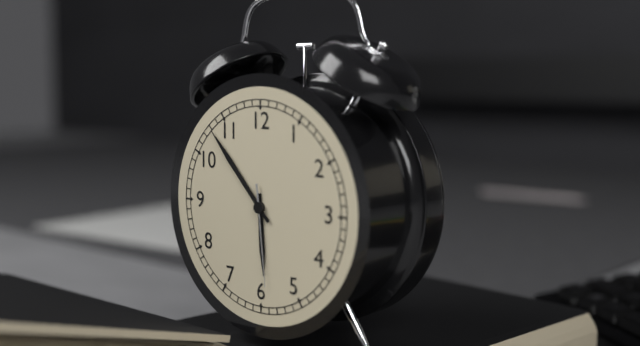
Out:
5.53.29
